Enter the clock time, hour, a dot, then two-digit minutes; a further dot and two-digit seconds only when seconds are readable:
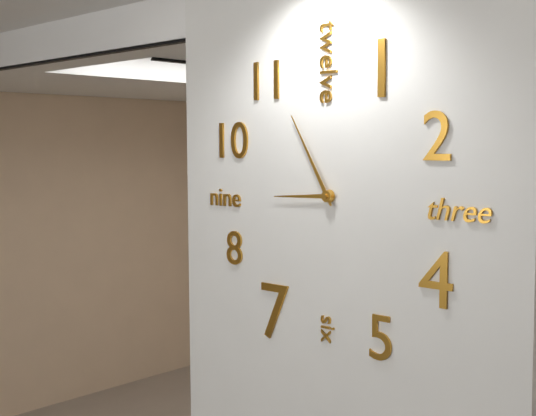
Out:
8.55
